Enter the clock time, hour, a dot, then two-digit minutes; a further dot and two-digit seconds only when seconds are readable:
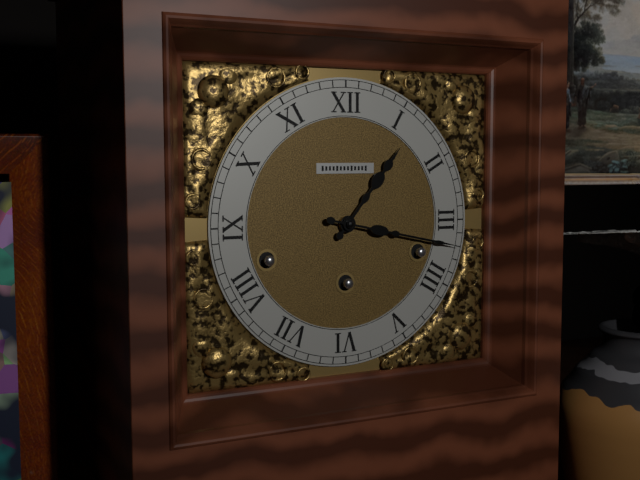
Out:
1.17
